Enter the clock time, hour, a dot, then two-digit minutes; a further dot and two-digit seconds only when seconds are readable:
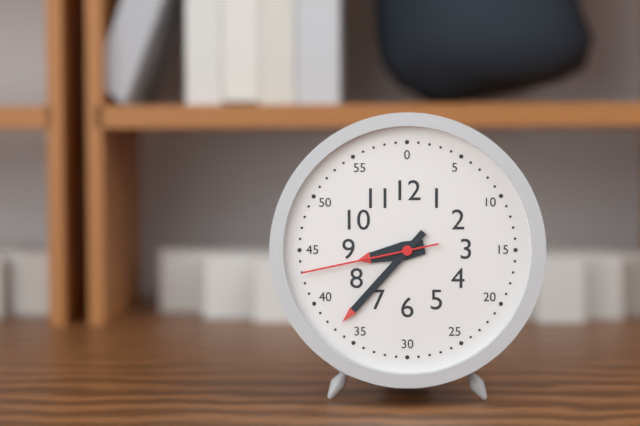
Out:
8.37.43
